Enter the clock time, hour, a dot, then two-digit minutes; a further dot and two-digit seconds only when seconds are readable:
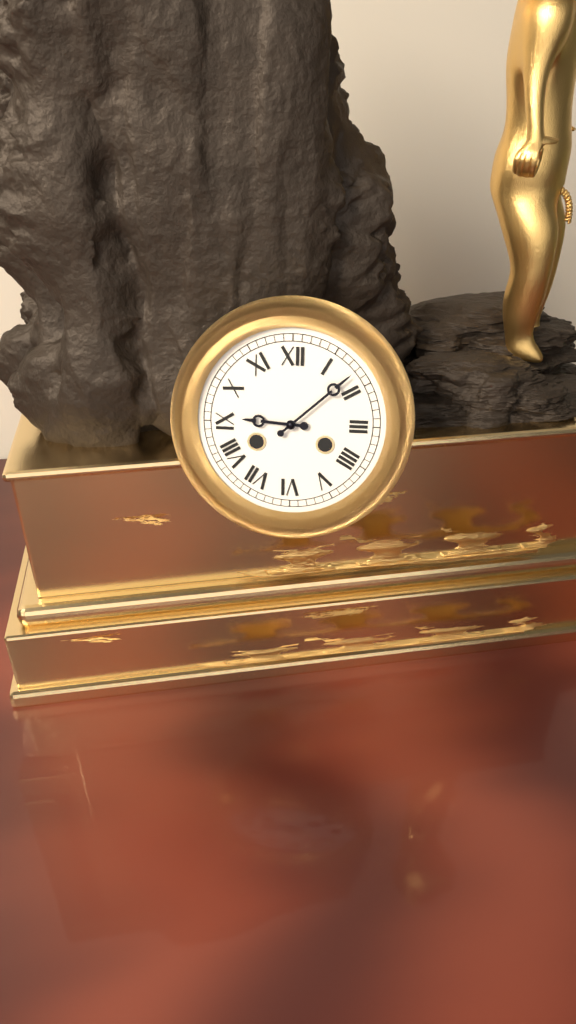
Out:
9.08
